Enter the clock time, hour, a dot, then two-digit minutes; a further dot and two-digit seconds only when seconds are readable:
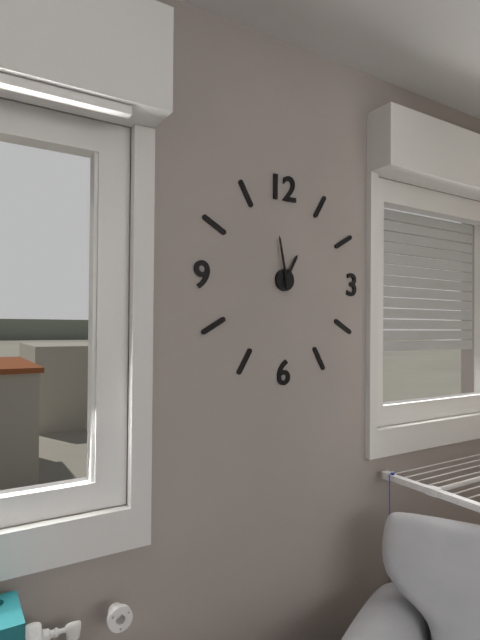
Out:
12.58
